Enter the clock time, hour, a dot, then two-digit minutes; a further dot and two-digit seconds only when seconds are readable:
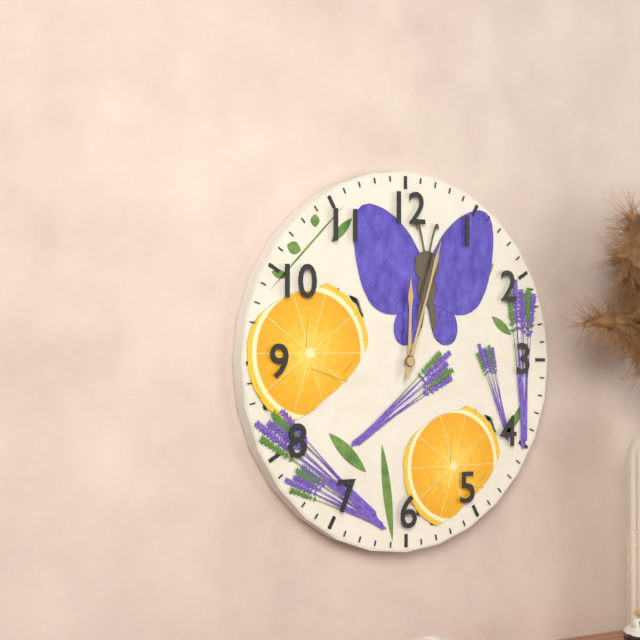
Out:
12.03
